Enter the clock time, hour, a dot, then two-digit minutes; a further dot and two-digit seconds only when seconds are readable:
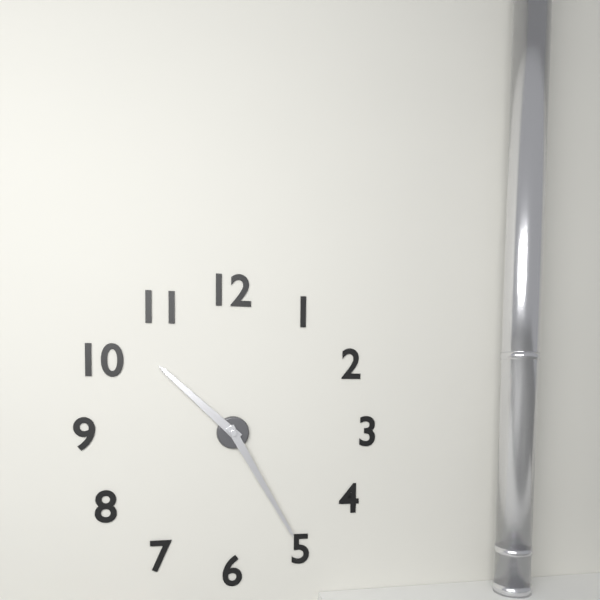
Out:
10.25
